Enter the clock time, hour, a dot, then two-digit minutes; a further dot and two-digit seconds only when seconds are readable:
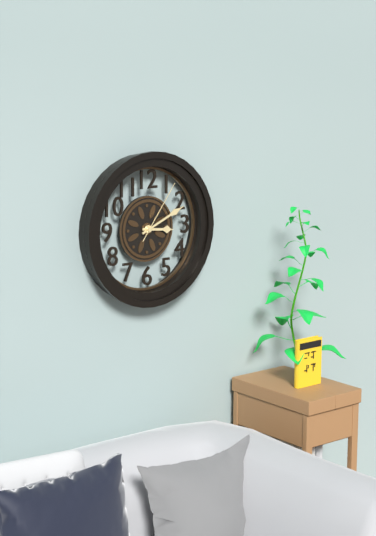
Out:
3.11.06
